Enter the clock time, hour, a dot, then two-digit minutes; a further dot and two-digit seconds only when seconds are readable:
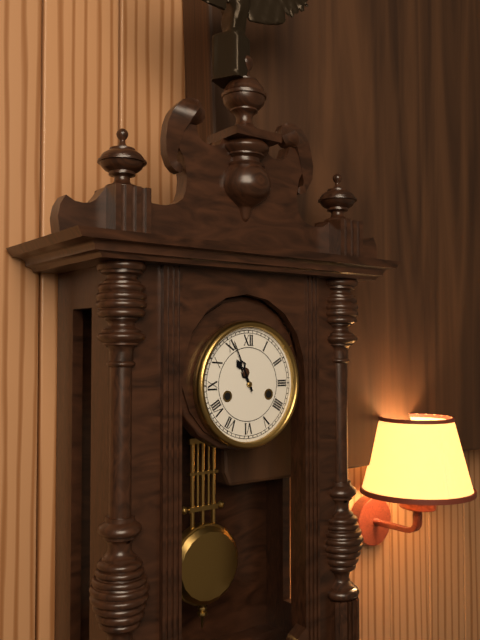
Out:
10.56
